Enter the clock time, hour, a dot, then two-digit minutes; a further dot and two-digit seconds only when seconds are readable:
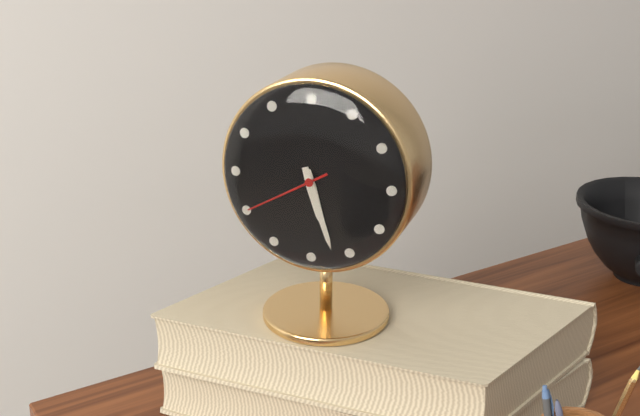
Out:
5.27.40
